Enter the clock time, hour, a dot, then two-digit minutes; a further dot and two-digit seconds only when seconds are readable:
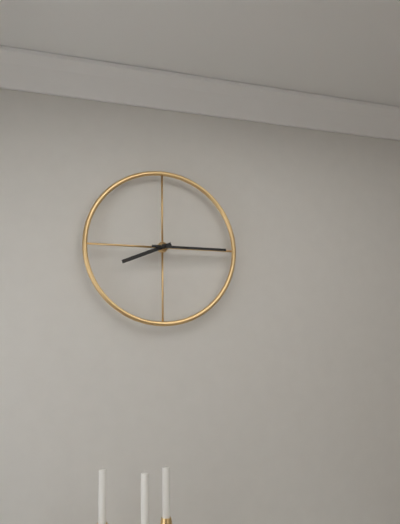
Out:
8.15
